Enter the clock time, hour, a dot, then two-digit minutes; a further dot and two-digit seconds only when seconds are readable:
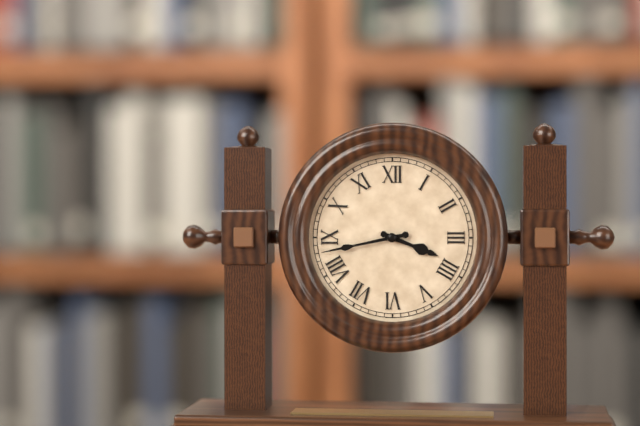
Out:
3.43
